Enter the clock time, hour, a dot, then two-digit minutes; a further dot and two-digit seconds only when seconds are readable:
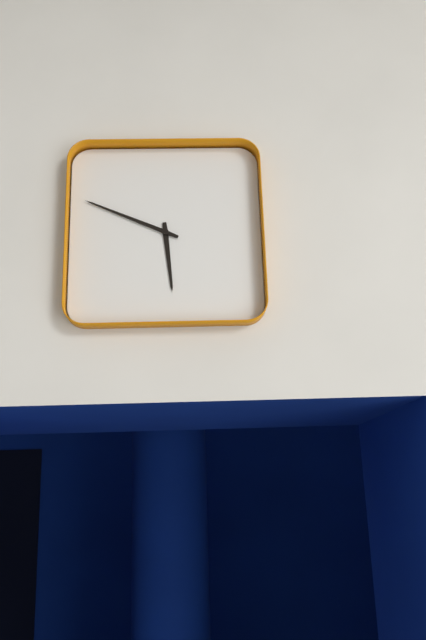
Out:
5.49
